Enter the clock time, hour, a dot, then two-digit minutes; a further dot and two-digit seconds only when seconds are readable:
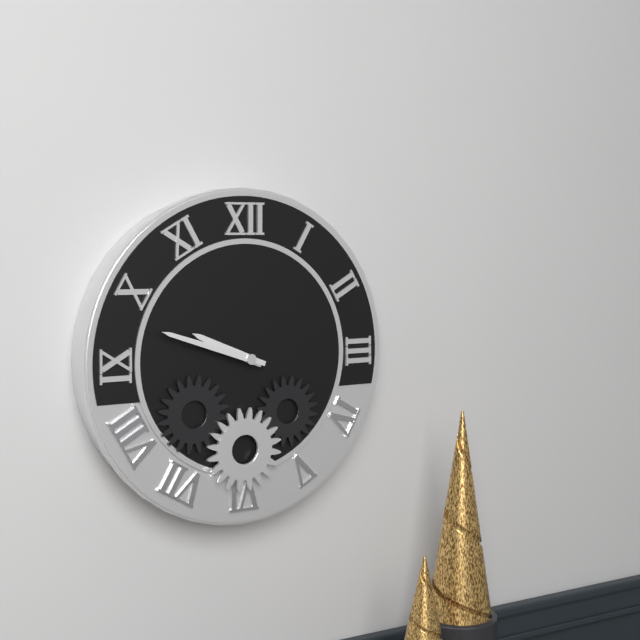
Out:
9.48
